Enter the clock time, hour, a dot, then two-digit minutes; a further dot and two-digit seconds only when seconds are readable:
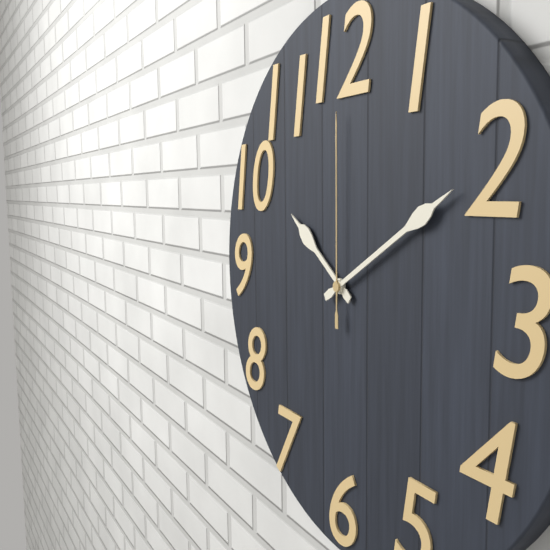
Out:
10.10.00
